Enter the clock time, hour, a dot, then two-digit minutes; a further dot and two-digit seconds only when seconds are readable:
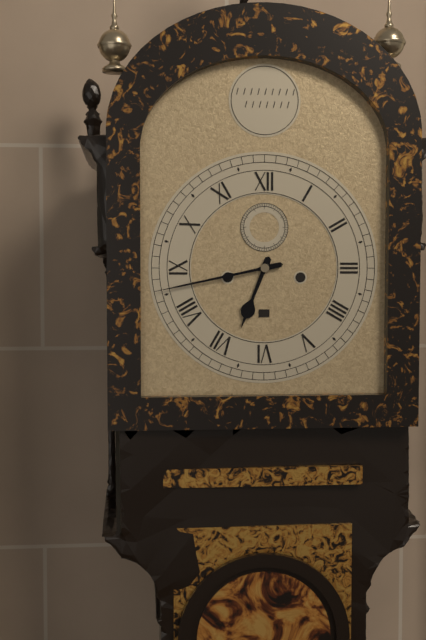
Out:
6.43
